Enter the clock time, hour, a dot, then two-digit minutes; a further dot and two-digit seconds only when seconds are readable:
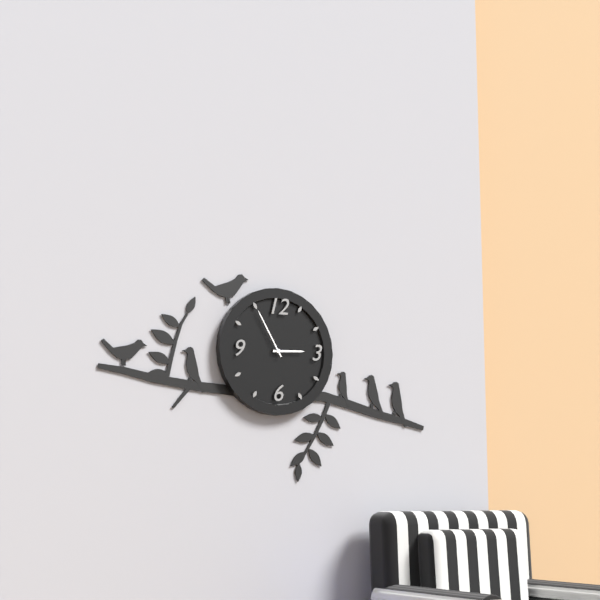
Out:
2.55
